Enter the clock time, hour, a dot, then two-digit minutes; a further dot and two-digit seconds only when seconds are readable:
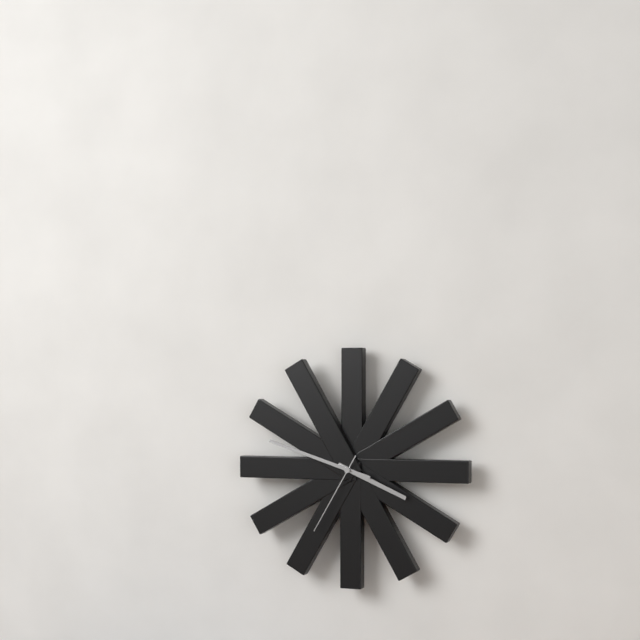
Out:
3.48.35
